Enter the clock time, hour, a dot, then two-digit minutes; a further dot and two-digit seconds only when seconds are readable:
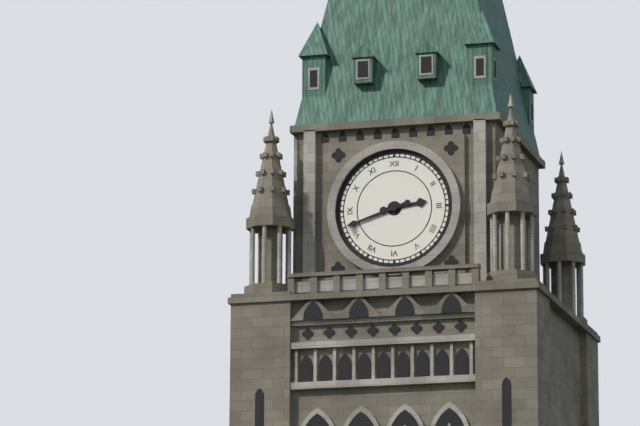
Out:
2.42
